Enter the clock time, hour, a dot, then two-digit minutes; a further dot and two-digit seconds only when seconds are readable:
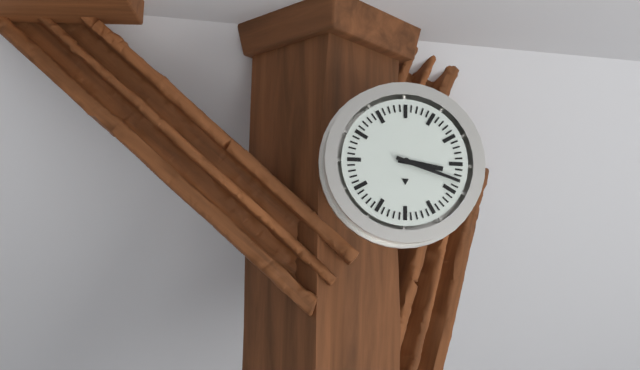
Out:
3.18
